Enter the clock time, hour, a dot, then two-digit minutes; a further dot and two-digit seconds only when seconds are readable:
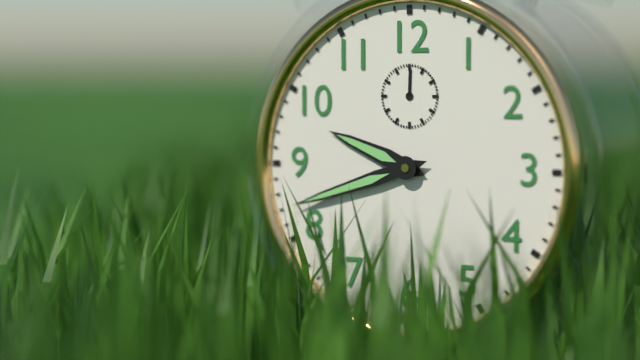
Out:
9.42
